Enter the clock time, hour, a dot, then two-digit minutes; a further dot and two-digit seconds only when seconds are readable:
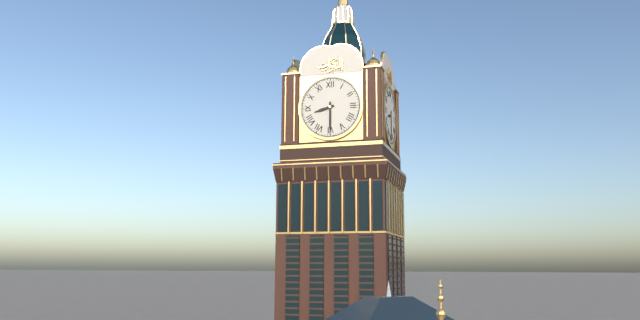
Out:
8.30
